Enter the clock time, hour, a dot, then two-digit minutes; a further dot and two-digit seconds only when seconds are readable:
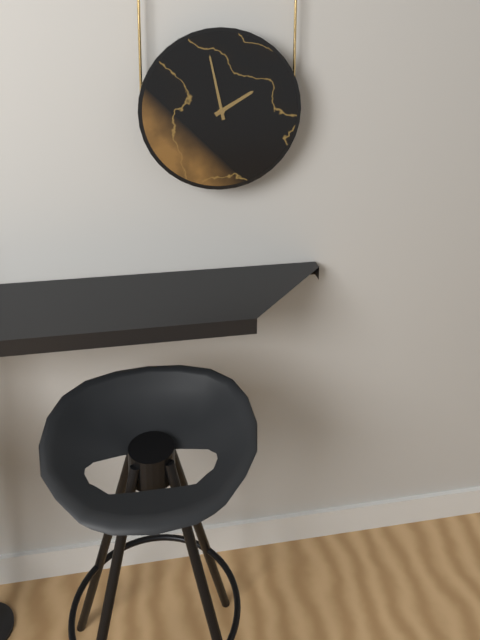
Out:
1.58
